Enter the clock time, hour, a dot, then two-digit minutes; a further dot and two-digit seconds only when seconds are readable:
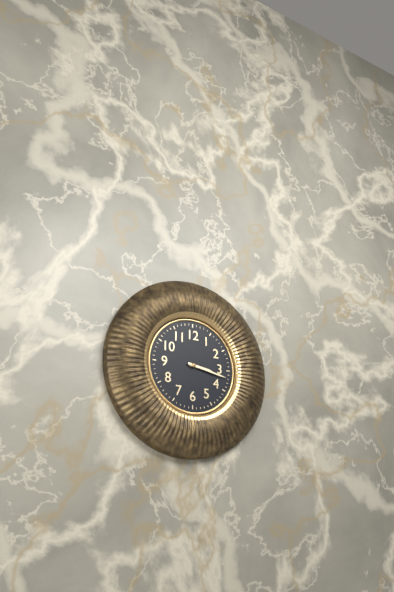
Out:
3.17
